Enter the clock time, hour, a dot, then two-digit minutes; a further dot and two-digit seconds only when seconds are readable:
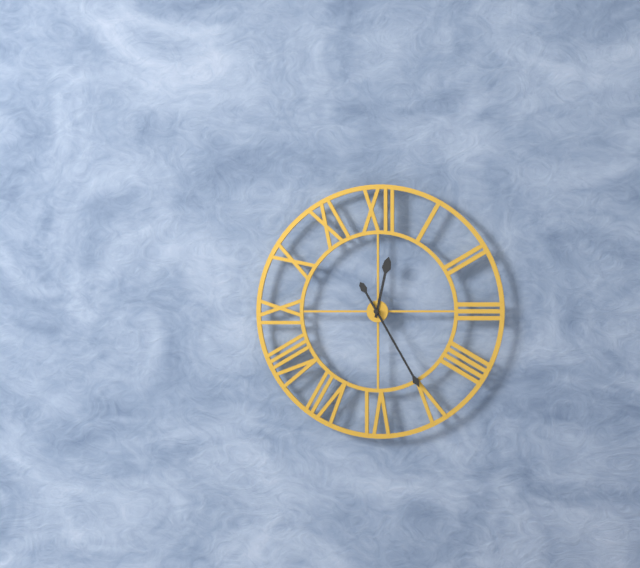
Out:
12.25
